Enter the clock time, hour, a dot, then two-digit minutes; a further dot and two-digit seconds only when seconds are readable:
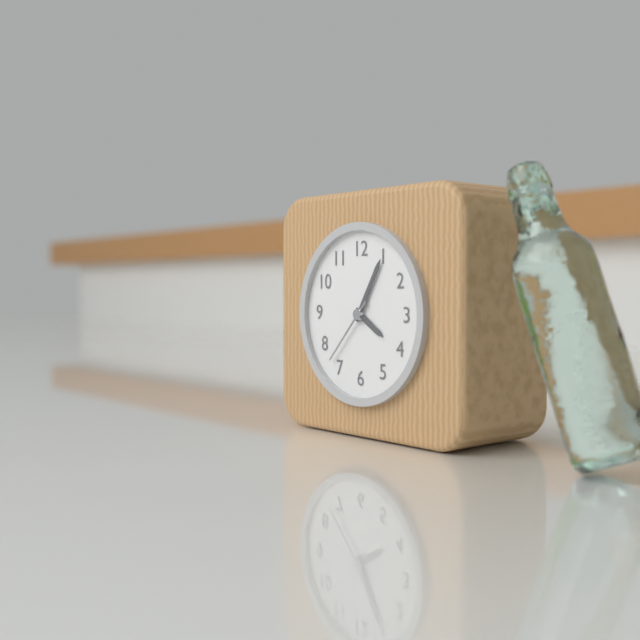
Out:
4.05.37
